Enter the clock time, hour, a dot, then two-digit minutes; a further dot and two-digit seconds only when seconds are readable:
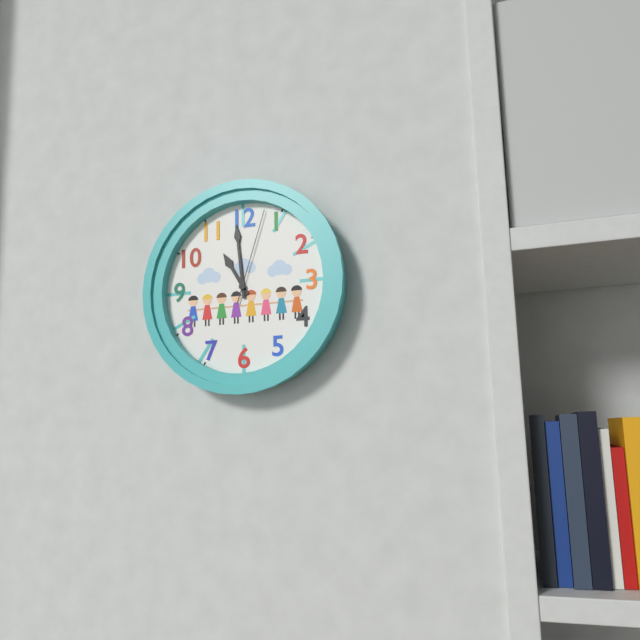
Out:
10.59.03
